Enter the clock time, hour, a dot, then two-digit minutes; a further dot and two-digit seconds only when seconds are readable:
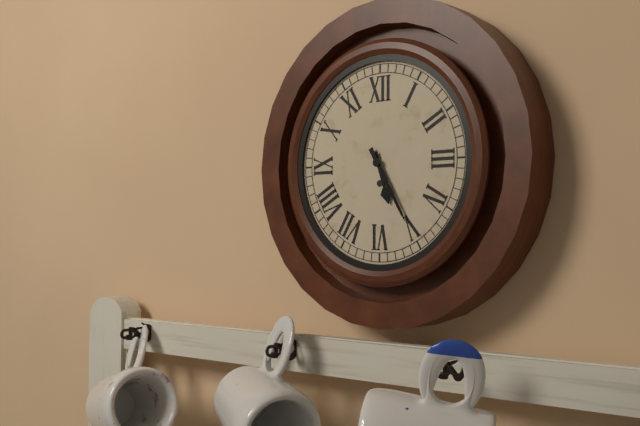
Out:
5.25
